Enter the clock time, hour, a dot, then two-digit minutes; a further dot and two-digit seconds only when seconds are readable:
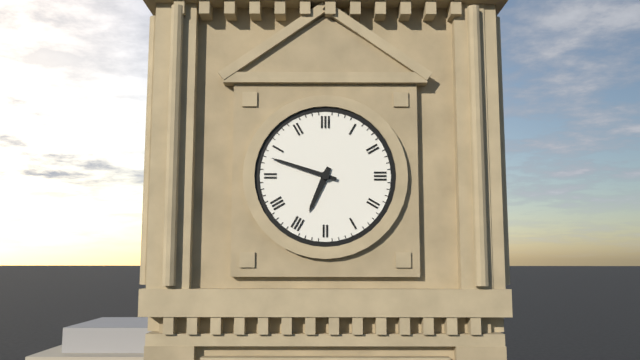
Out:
6.48
